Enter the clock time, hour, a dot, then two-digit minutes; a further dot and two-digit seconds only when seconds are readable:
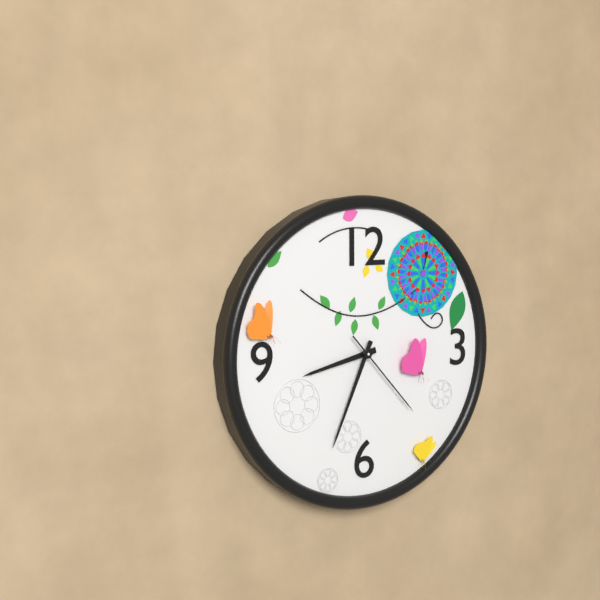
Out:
8.34.23
